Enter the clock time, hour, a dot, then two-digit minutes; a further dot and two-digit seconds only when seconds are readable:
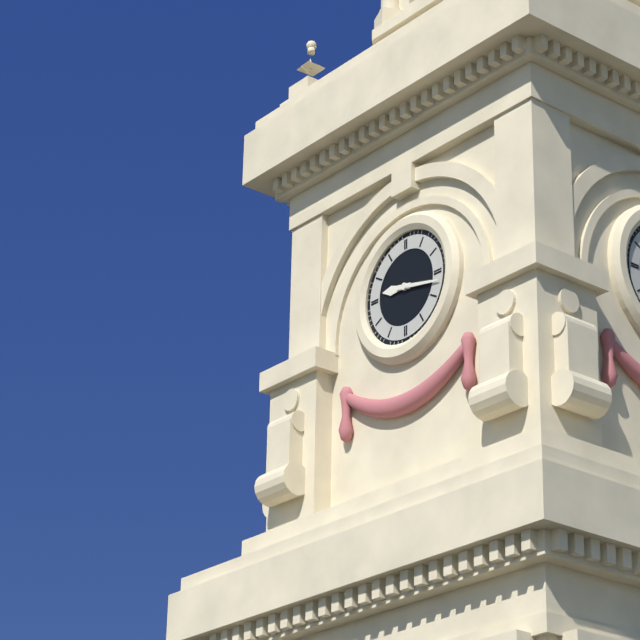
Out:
9.17
